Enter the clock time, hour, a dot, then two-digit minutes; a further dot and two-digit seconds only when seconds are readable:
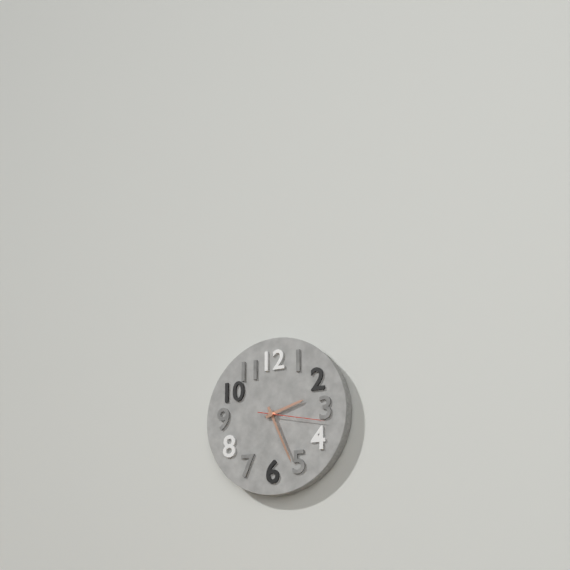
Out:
2.26.17
